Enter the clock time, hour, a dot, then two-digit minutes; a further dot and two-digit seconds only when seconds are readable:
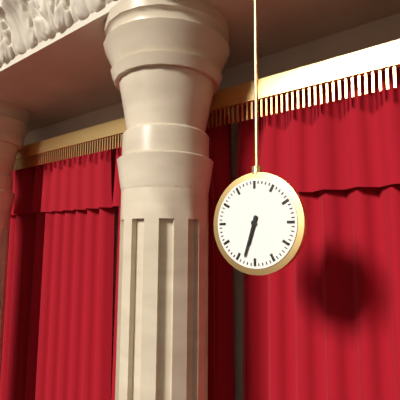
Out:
6.33
